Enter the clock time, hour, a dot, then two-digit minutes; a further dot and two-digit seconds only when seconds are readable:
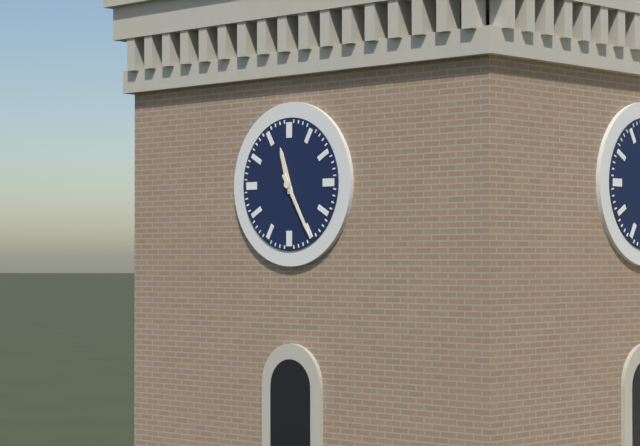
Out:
11.25
